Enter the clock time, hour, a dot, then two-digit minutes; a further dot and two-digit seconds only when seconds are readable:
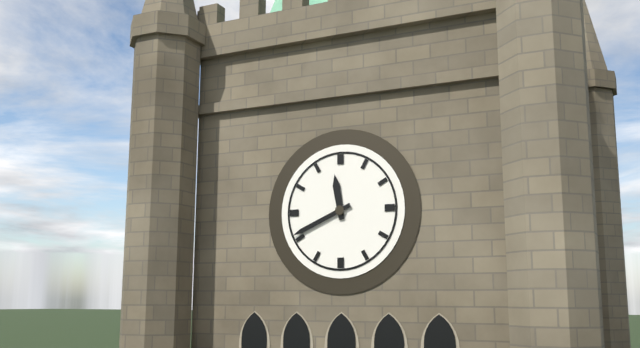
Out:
11.41
